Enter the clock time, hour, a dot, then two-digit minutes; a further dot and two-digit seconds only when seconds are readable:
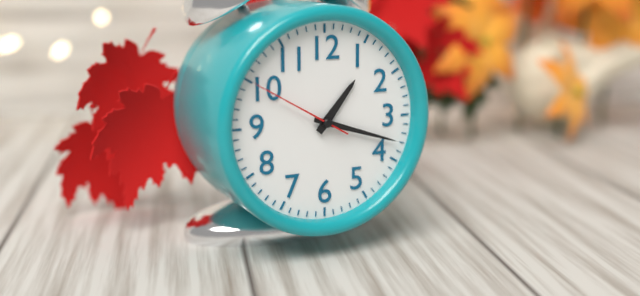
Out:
1.18.50
